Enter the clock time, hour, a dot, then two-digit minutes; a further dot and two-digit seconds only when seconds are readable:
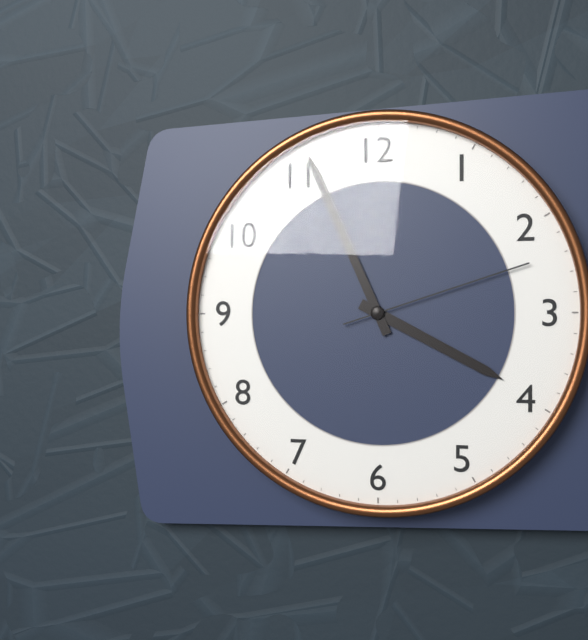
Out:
3.56.12
